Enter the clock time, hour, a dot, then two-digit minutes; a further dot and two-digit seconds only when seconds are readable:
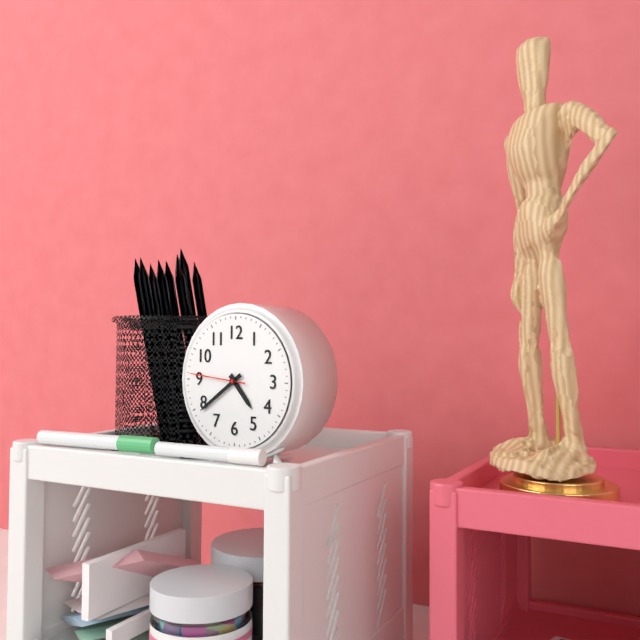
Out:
4.39.46
